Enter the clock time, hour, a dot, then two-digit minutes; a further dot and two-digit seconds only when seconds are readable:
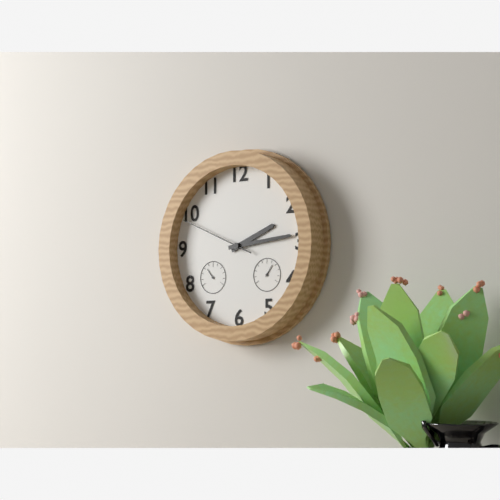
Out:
2.14.49
